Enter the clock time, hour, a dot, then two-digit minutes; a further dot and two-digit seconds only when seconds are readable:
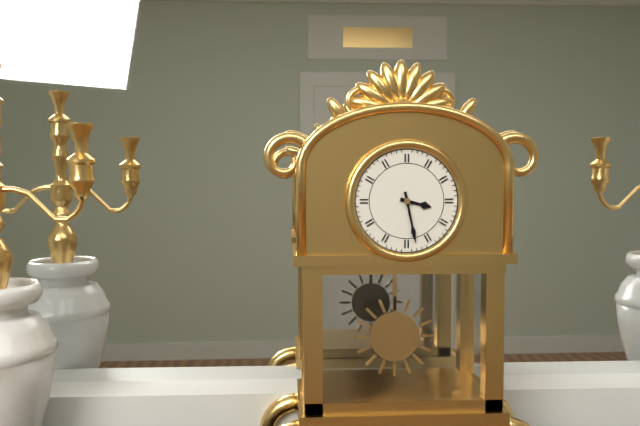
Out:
3.28
